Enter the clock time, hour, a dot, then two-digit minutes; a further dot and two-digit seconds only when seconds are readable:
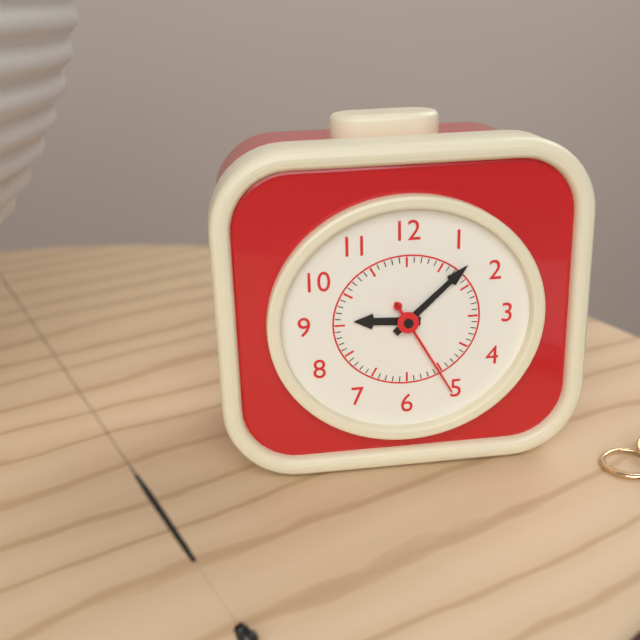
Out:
9.08.25
